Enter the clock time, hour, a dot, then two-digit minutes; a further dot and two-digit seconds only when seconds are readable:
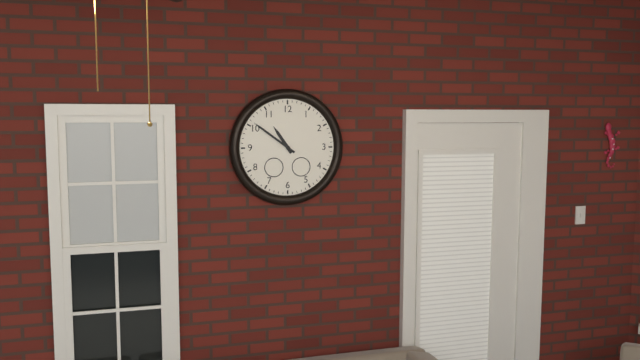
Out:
10.51
